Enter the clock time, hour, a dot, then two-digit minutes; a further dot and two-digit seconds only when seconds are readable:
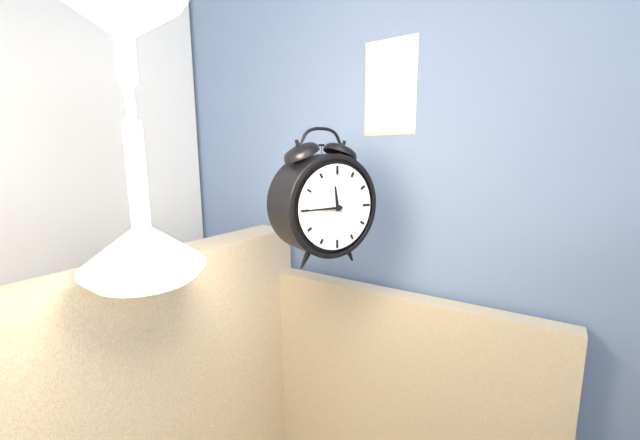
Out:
11.45
